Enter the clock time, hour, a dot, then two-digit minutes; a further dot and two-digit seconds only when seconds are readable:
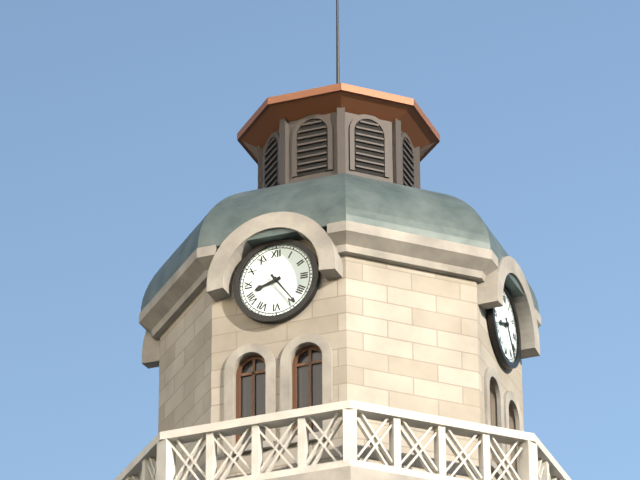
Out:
8.24
